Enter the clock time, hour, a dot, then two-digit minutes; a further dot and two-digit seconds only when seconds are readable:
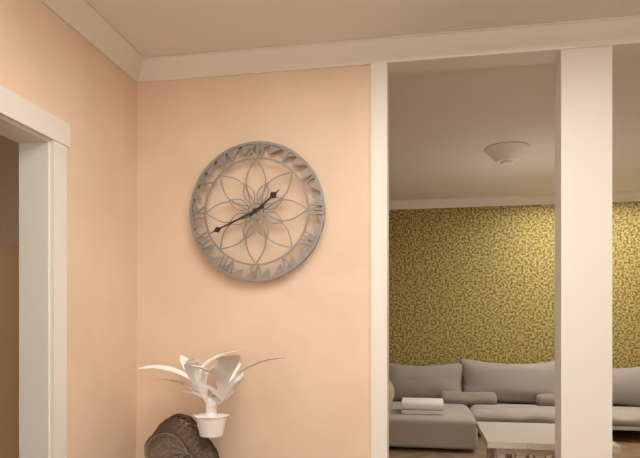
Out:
1.41
